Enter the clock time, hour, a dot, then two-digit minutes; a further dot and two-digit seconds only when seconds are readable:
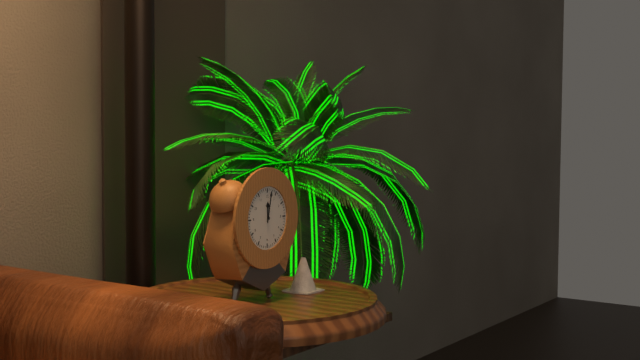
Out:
12.02
